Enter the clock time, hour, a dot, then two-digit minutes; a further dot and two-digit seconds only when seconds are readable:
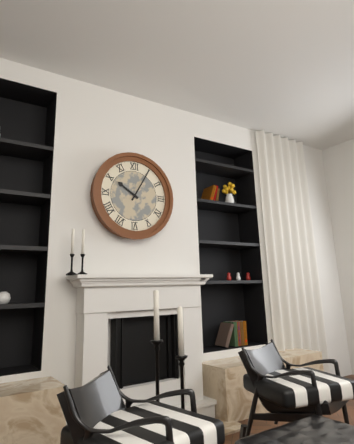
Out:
10.05
